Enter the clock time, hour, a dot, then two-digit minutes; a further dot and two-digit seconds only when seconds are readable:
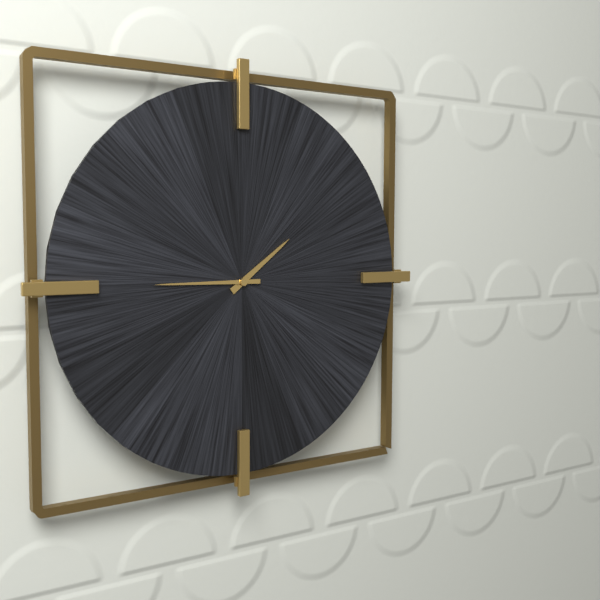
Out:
1.45
